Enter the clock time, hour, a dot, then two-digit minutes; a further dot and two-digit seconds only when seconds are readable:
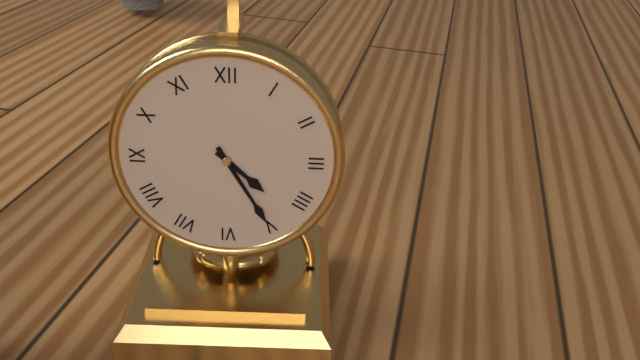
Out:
4.25
